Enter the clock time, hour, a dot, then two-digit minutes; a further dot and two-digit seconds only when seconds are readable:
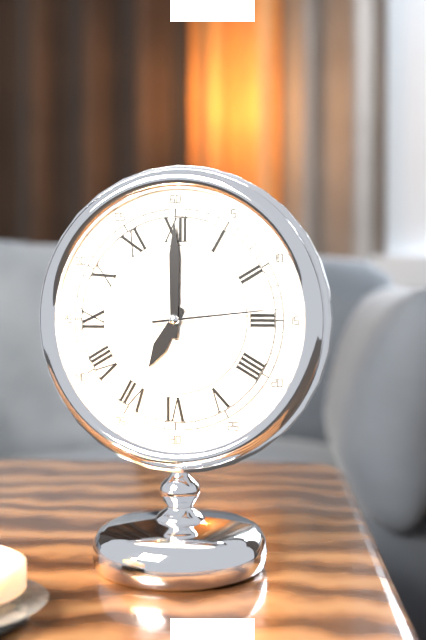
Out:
7.00.14
